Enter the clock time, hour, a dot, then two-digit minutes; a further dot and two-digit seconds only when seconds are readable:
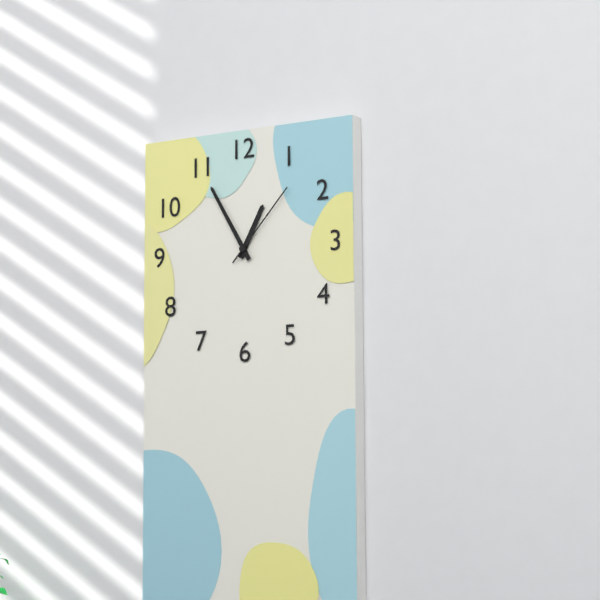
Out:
12.55.07
